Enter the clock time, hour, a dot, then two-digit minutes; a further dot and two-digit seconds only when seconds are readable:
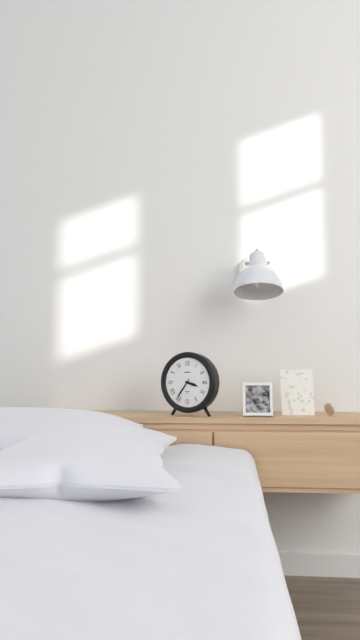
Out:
3.36
